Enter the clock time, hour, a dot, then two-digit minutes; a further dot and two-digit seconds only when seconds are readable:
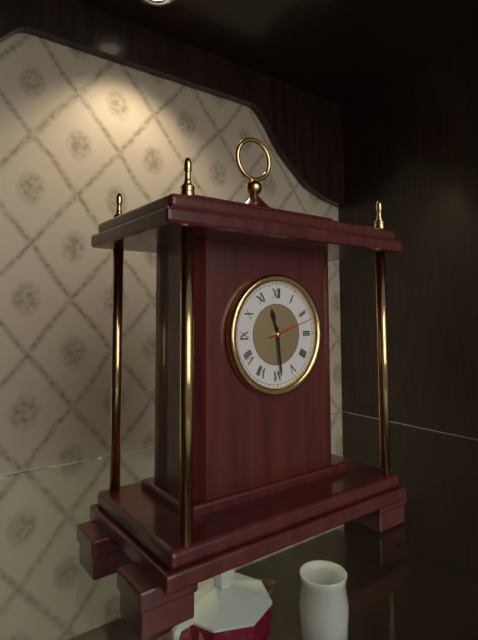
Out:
11.29
